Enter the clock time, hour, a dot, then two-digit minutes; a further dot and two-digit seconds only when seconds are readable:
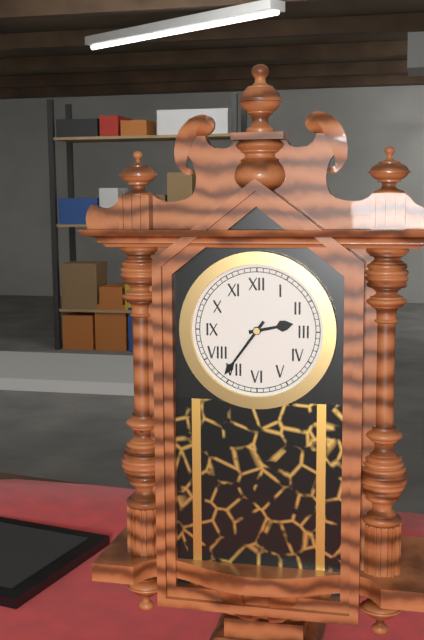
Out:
2.36
